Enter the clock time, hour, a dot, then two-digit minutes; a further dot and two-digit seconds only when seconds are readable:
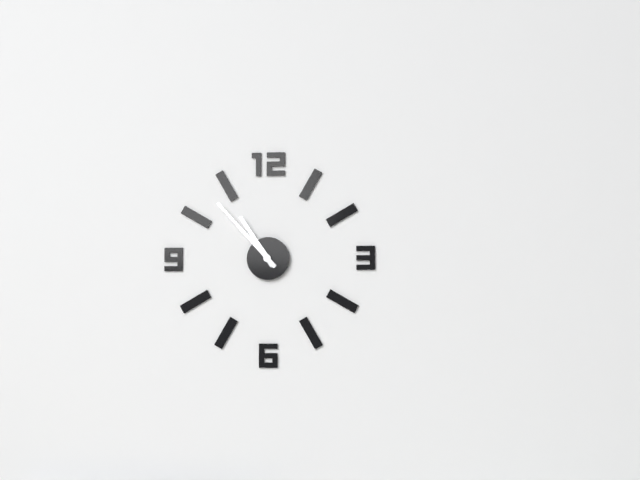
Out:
10.53
